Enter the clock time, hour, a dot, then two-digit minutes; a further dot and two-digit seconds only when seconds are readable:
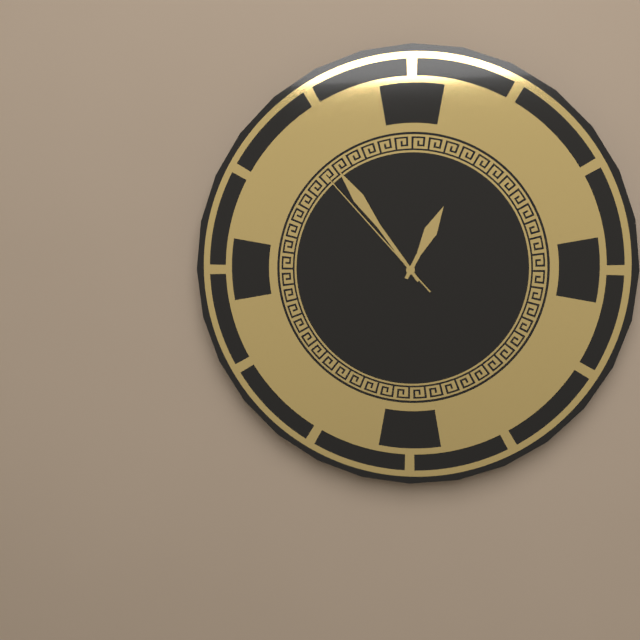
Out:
12.54.53
